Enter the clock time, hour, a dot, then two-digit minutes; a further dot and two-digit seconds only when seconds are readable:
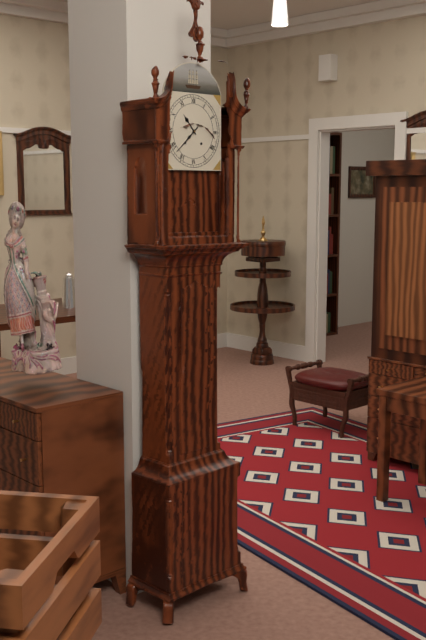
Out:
10.38
